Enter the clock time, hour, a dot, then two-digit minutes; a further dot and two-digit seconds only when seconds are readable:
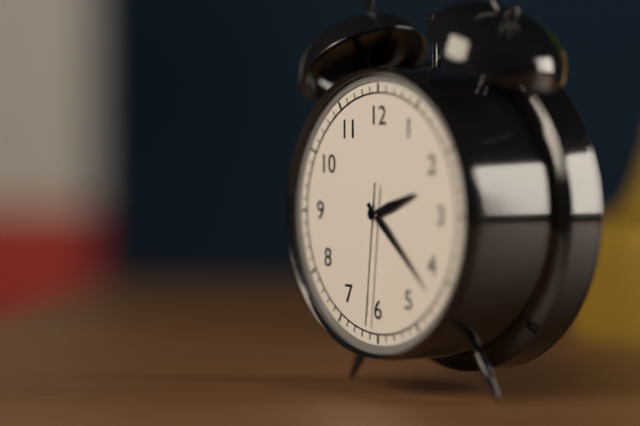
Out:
2.22.31
